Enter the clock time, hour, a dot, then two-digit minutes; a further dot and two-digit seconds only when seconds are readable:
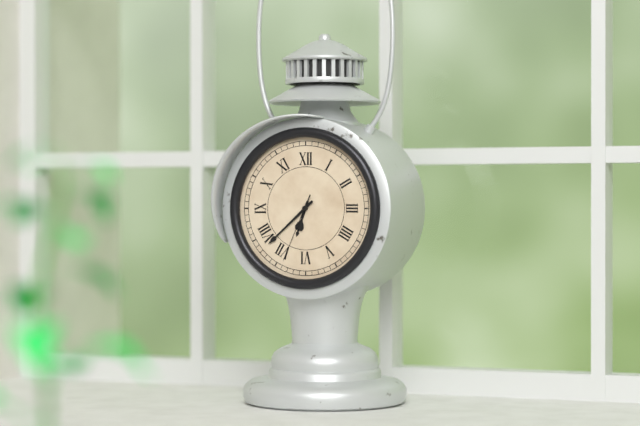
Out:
6.38.34
